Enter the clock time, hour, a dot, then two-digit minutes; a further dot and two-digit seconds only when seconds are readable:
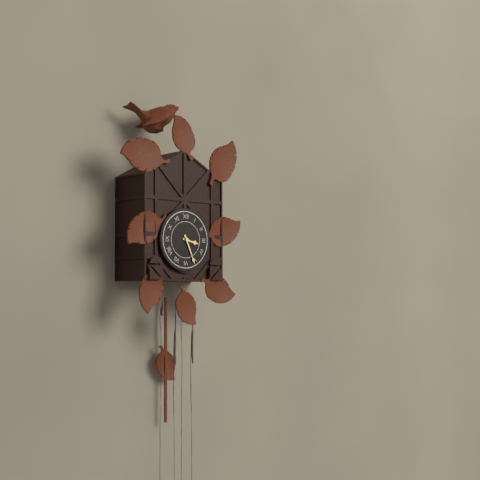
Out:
3.26
